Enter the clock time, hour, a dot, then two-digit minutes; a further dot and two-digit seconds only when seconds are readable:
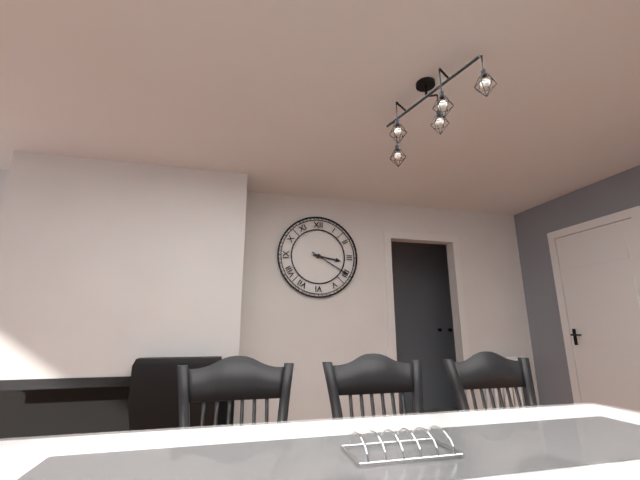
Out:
3.20
